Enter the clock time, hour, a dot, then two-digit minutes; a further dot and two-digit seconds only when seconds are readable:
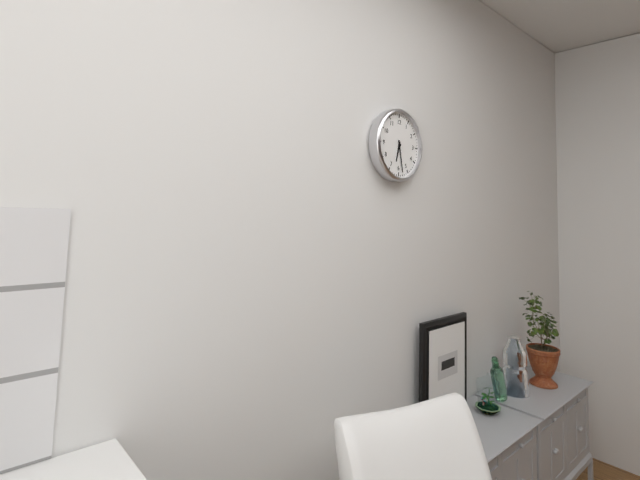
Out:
6.28
